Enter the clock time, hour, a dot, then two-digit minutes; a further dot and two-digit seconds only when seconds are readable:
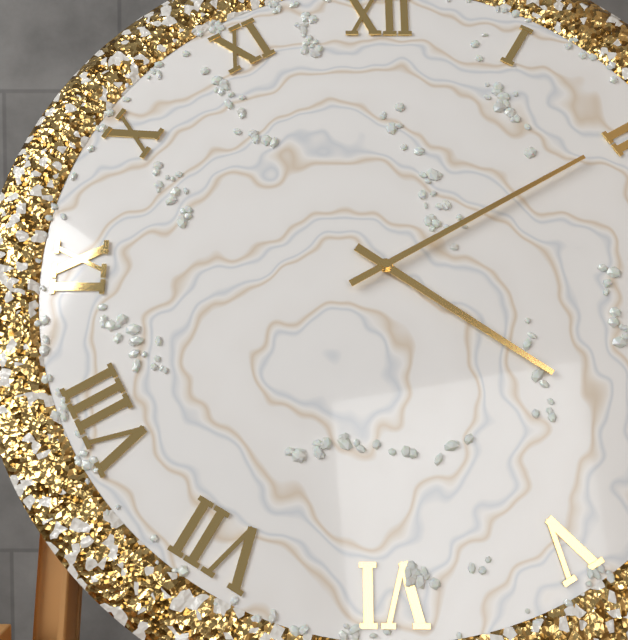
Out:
4.10
